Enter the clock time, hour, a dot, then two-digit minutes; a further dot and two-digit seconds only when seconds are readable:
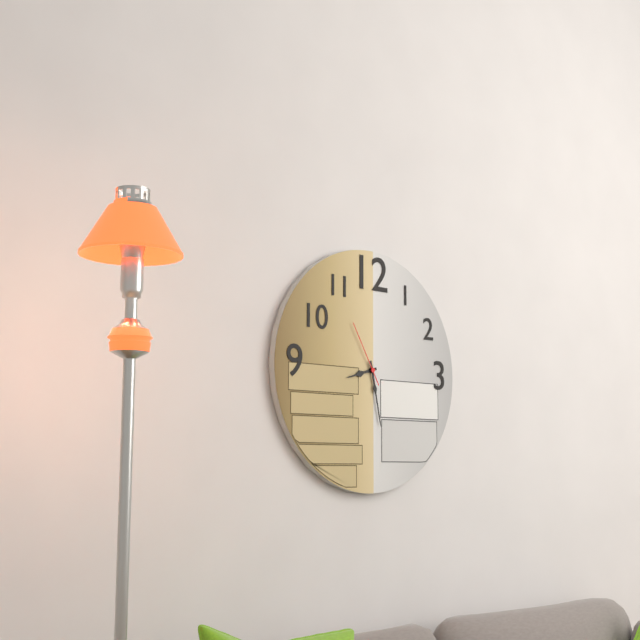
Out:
8.28.55
